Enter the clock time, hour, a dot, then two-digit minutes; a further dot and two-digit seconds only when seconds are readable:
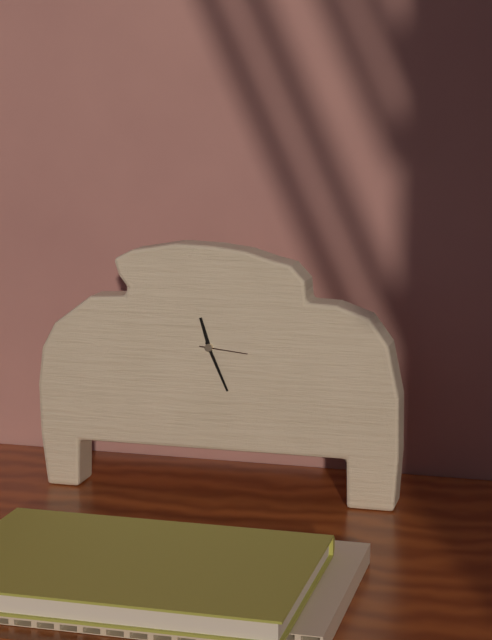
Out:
11.26
